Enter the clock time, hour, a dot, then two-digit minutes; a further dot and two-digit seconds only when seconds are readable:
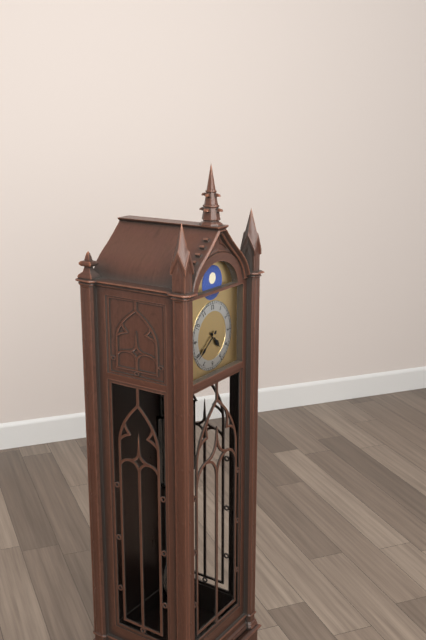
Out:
4.39
